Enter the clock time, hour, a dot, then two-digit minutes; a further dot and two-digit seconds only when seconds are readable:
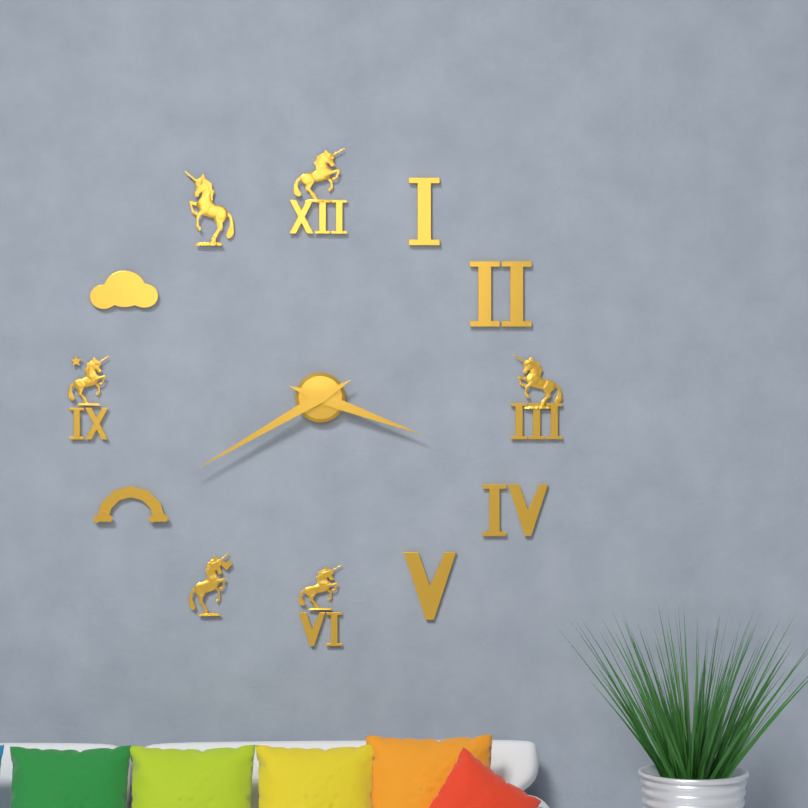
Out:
3.40
